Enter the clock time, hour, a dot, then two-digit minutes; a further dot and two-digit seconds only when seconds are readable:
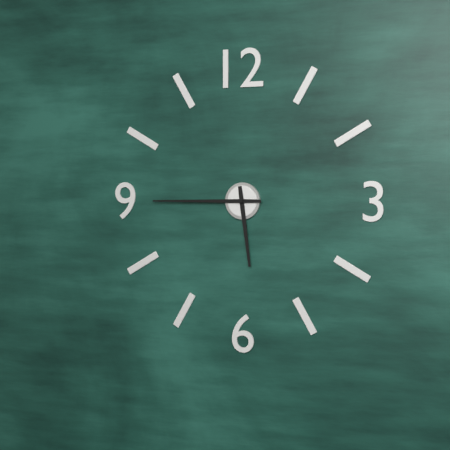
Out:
5.45
